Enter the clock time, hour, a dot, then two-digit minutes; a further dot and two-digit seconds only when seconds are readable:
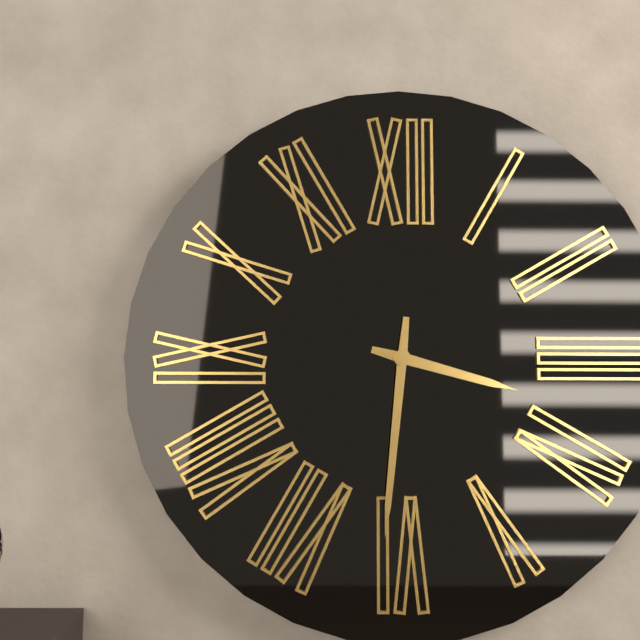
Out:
3.31
